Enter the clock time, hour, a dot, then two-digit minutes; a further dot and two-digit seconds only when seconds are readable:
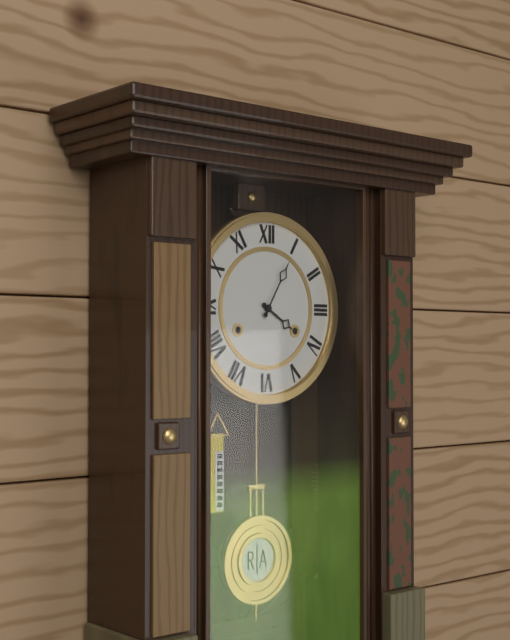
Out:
4.05
